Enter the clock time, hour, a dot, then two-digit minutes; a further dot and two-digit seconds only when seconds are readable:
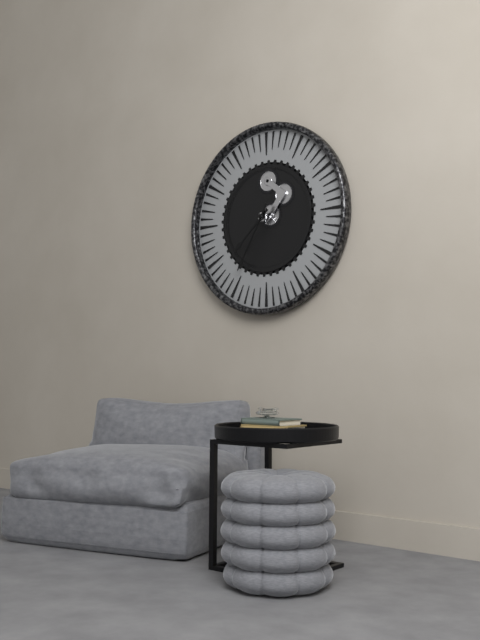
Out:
7.35
